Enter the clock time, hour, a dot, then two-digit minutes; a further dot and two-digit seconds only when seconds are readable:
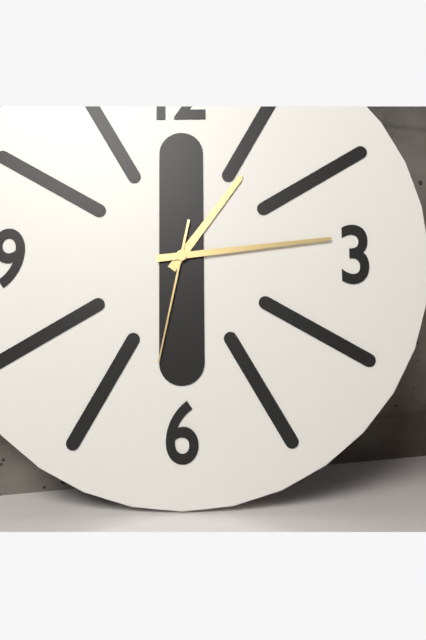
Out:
1.14.32
